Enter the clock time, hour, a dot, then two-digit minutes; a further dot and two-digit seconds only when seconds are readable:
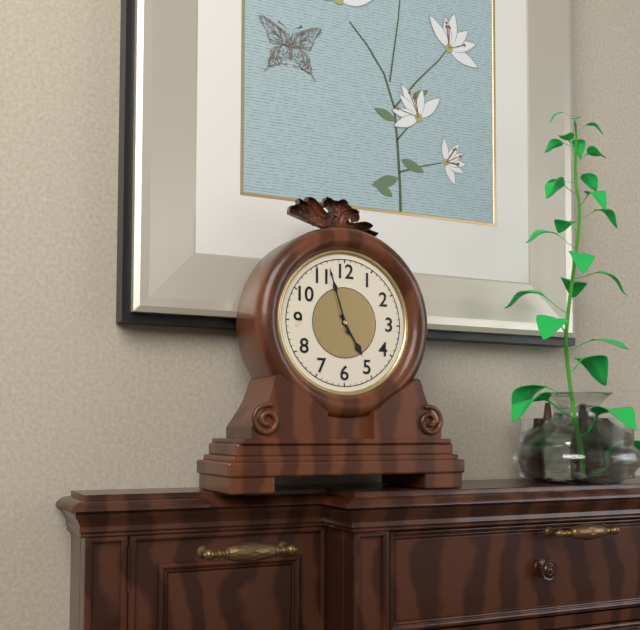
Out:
4.57
